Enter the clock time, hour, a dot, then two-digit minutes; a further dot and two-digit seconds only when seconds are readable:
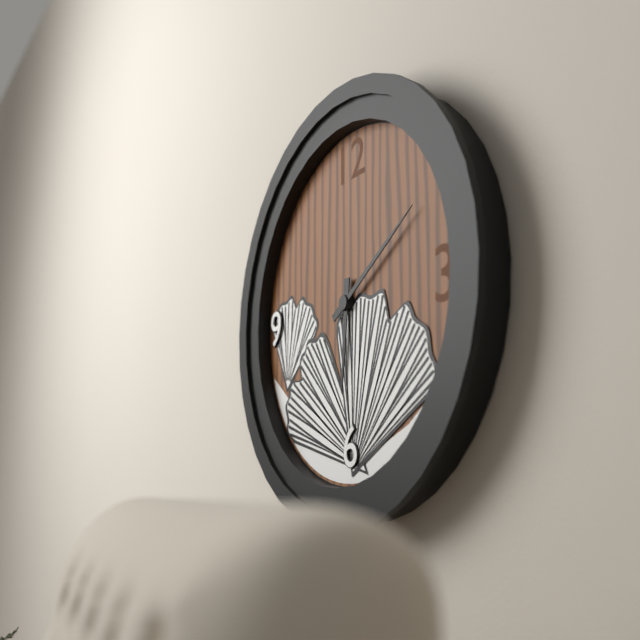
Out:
6.10
